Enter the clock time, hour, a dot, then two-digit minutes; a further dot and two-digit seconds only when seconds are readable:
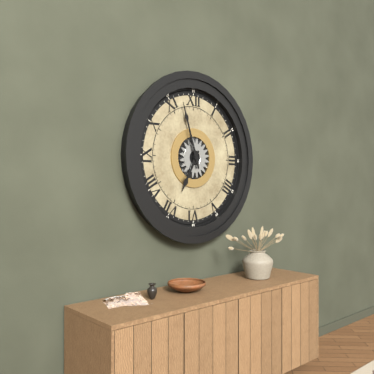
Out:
6.57
